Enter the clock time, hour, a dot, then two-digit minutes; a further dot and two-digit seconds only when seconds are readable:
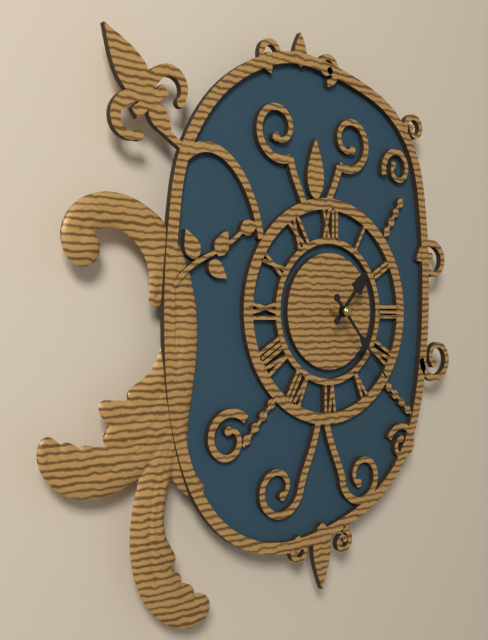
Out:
1.23
